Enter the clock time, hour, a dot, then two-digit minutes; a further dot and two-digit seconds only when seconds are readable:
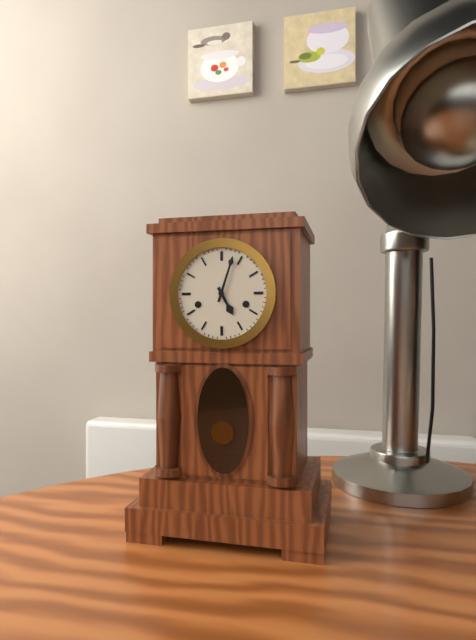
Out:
5.03
